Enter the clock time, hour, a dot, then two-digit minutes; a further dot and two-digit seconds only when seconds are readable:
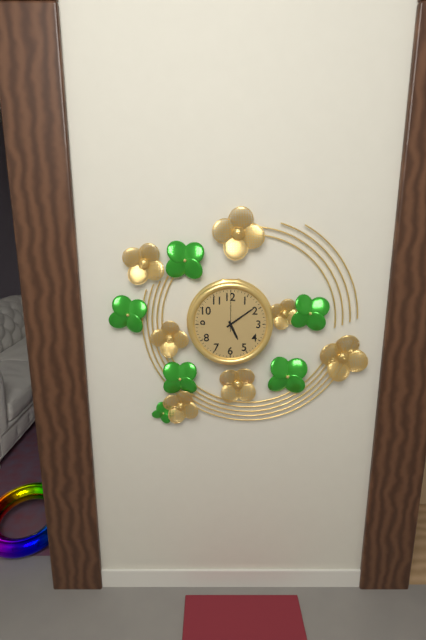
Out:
5.09
